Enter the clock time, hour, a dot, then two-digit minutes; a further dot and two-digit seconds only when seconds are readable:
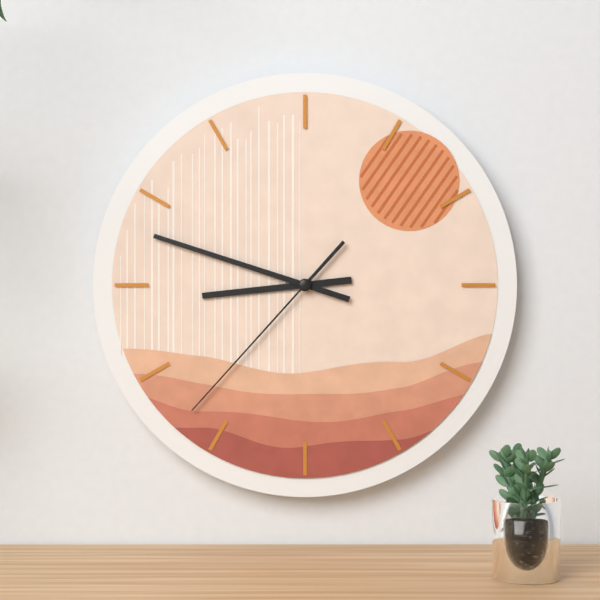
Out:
8.48.37
